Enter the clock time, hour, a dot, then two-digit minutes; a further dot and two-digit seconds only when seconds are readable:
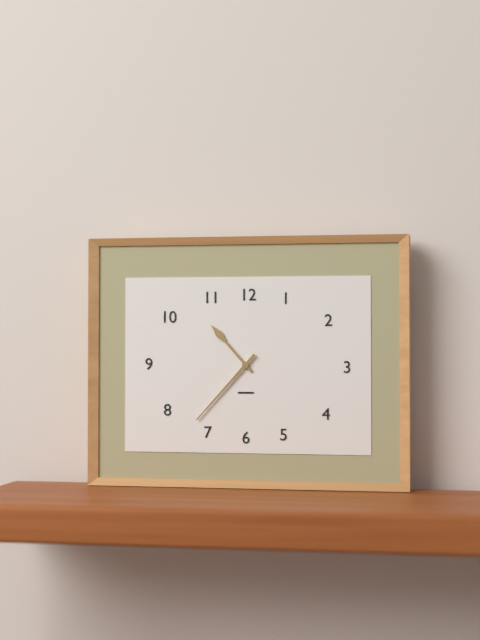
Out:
10.37
